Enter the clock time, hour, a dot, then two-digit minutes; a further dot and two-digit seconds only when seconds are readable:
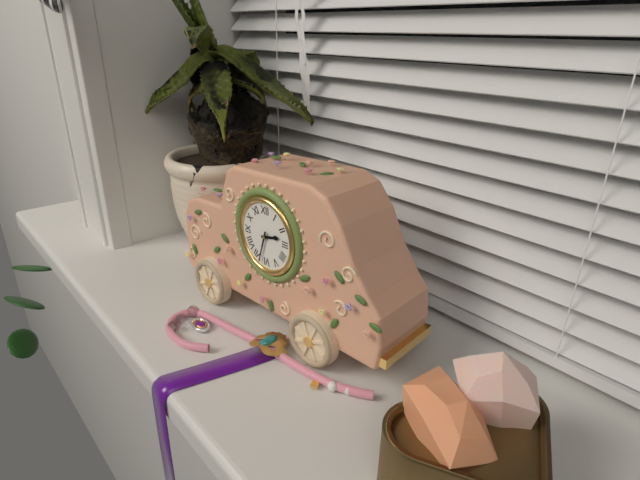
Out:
2.33
